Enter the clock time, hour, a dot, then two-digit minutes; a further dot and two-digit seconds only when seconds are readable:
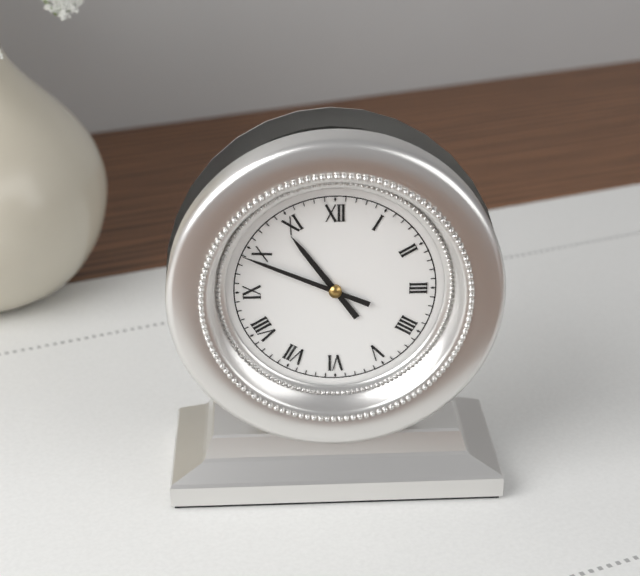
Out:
10.49
